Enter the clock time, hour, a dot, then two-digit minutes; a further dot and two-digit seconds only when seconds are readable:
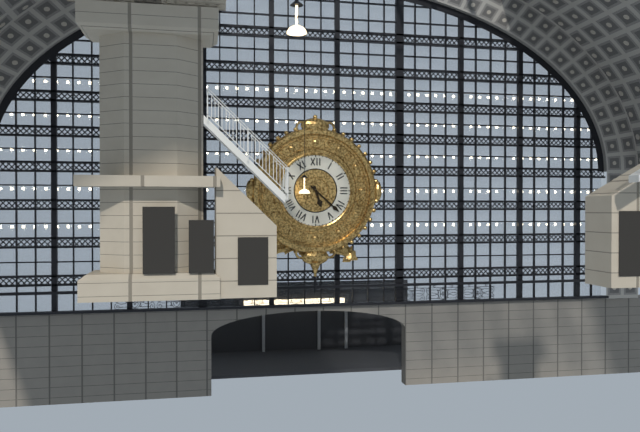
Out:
5.22
